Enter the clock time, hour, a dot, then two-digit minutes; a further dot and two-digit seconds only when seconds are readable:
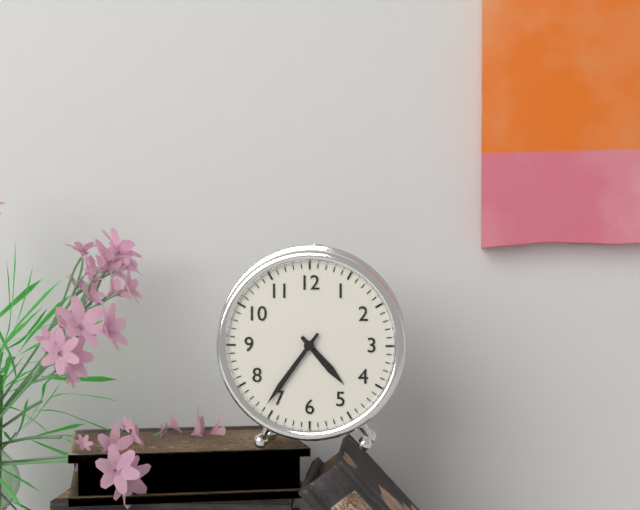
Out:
4.36
